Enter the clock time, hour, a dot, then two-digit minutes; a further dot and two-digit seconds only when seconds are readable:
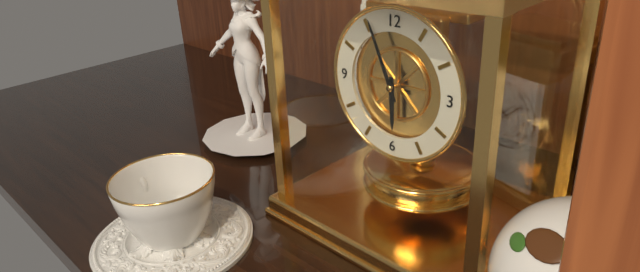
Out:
5.56
